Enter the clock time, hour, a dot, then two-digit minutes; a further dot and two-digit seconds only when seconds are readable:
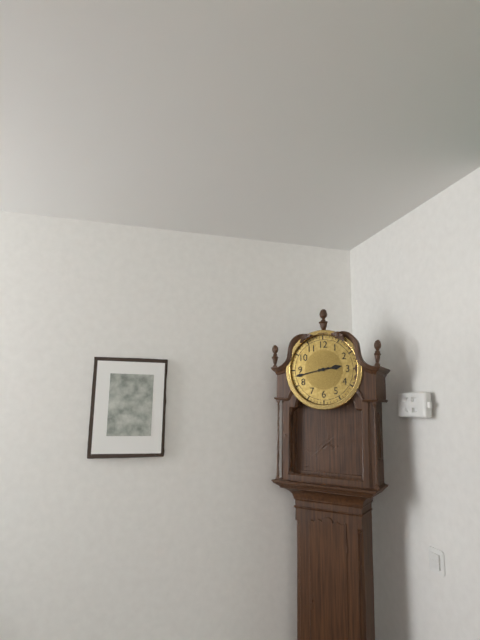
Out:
2.43
